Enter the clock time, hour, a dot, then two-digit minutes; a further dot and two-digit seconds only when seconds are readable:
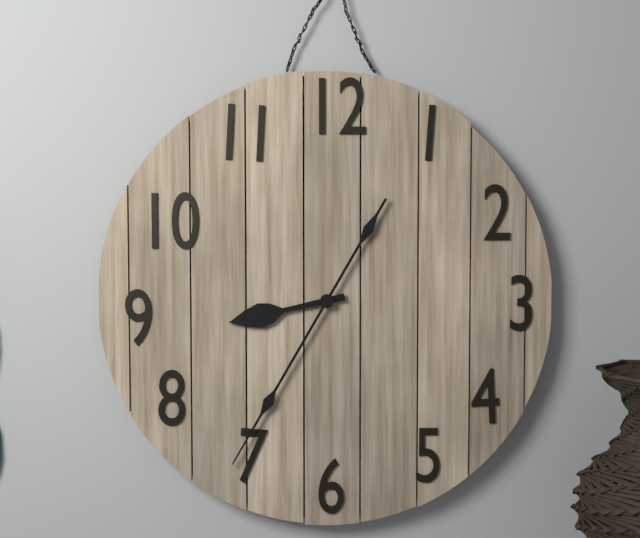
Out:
8.35
